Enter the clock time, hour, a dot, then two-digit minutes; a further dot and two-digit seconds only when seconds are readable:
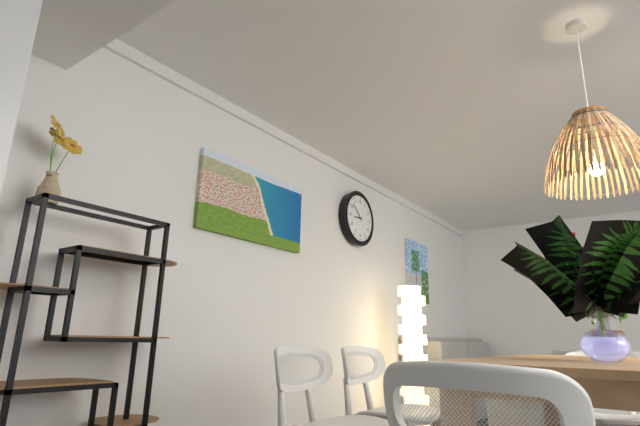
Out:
8.52
